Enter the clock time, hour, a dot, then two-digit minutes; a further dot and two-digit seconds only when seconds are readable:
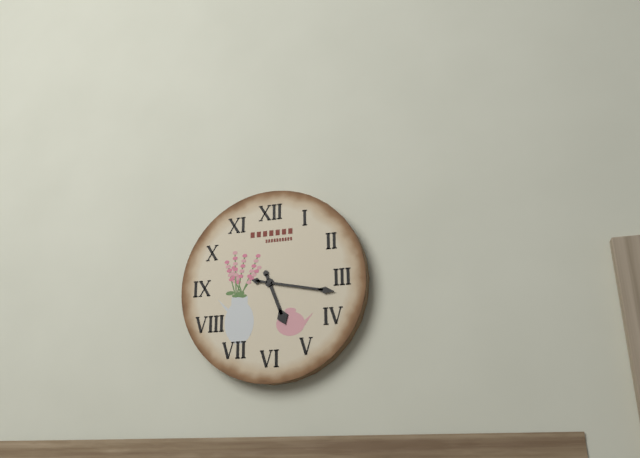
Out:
5.17
